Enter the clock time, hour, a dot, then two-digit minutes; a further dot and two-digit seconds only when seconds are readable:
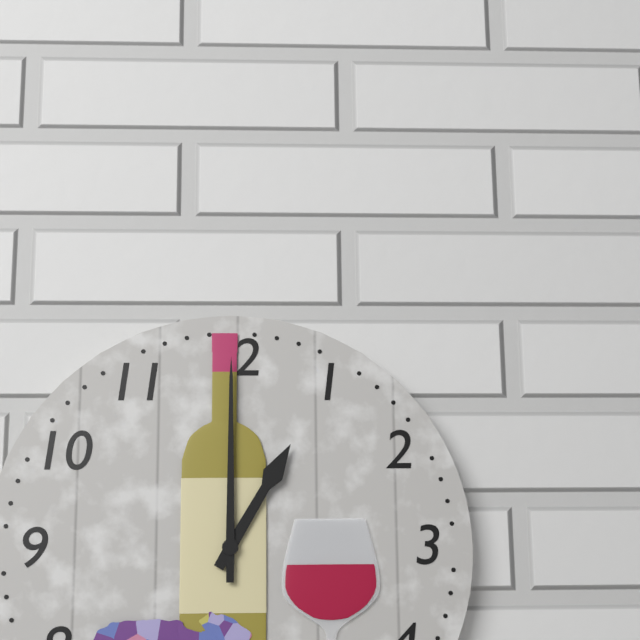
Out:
1.00
